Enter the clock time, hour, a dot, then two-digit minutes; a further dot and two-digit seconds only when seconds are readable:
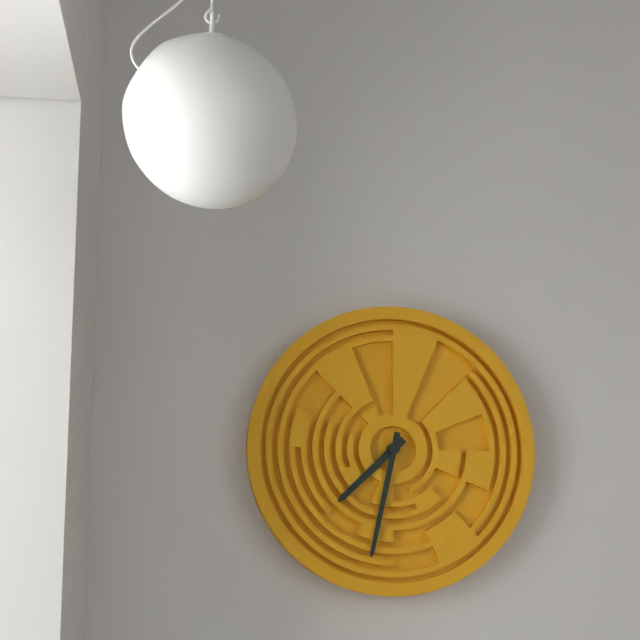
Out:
7.32
